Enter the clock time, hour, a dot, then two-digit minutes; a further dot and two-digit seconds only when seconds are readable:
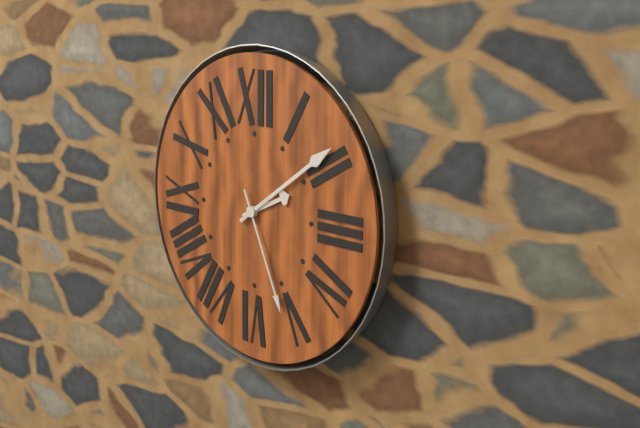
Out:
2.09.26
